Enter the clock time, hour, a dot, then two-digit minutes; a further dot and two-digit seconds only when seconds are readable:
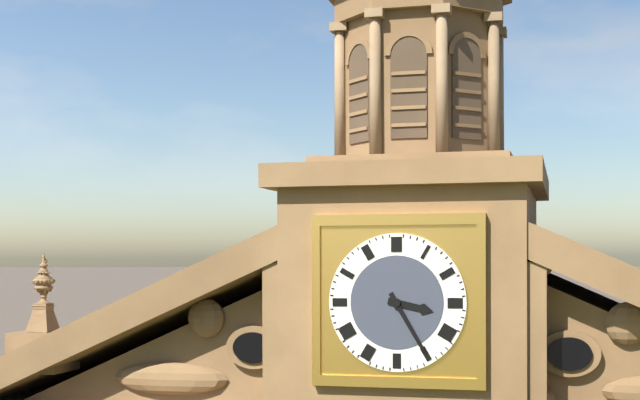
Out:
3.25
